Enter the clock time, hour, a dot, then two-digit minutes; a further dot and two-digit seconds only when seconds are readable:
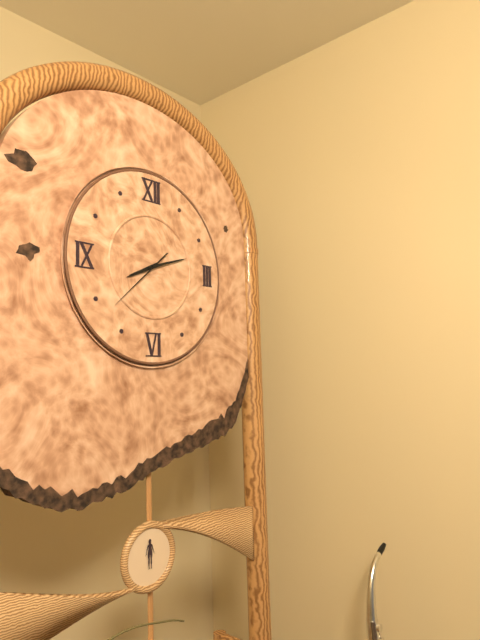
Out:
8.12.38
